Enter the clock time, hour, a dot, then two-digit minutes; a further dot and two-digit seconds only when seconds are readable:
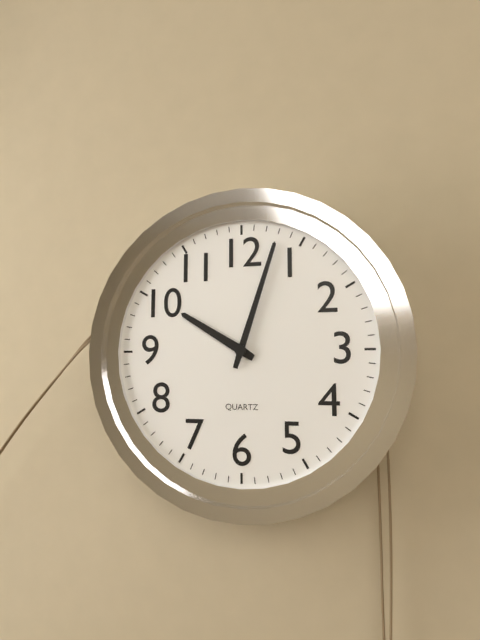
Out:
10.03
